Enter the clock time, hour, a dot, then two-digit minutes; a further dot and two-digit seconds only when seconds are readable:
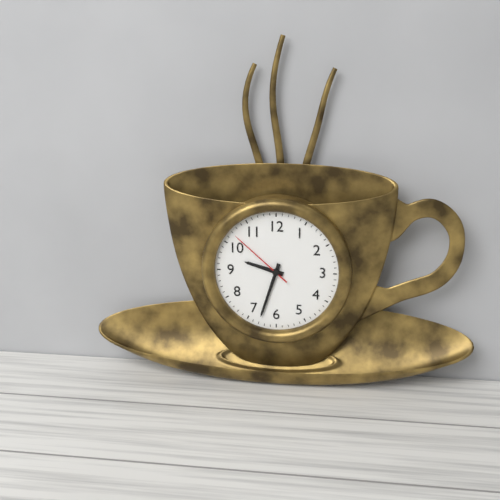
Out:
9.33.52
